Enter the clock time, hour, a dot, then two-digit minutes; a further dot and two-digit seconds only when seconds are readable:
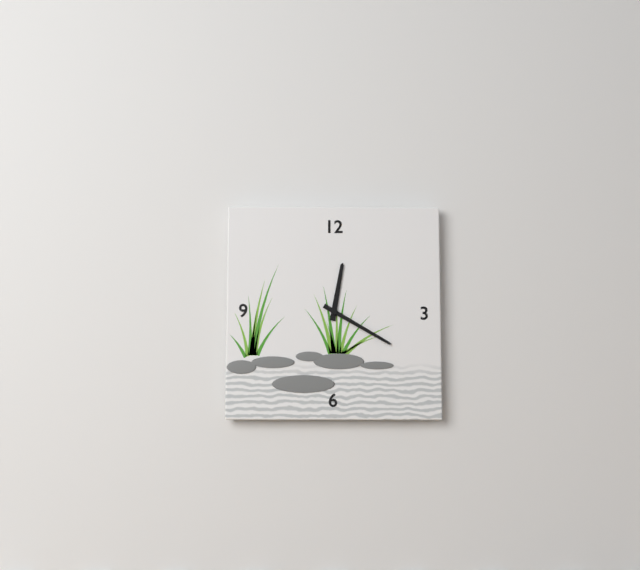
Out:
12.20
